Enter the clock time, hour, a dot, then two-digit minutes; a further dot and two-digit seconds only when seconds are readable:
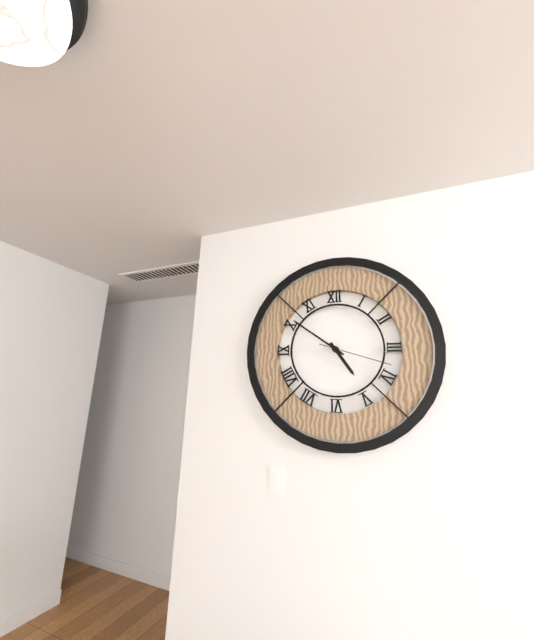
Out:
4.51.18
